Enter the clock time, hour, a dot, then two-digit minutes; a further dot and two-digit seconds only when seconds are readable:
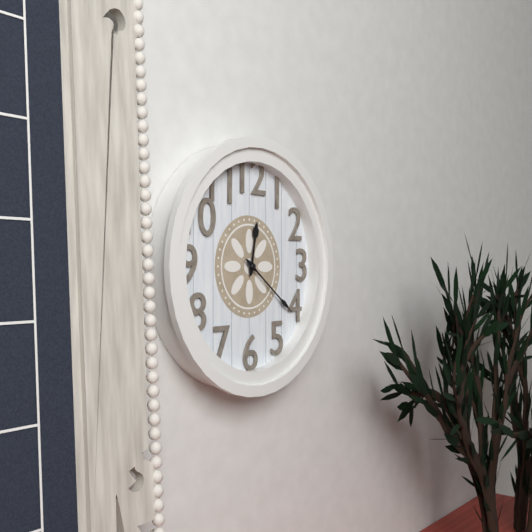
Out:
12.21
